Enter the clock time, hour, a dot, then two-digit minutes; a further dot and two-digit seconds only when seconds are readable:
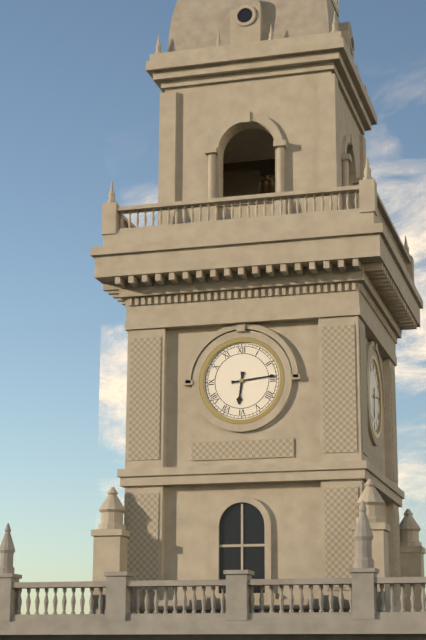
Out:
6.14
